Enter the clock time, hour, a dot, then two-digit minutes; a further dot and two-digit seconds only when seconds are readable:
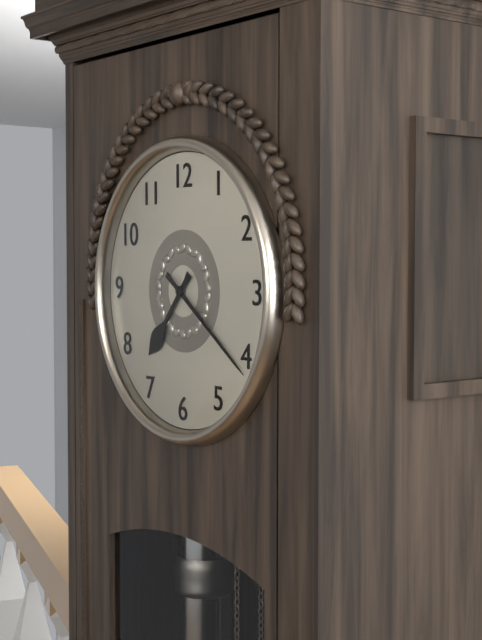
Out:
7.21
